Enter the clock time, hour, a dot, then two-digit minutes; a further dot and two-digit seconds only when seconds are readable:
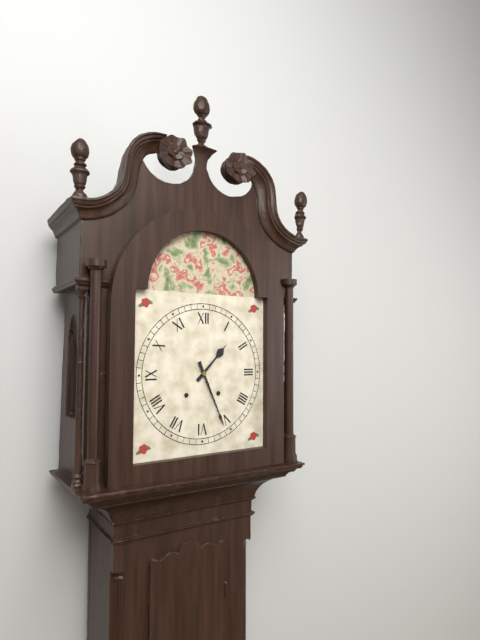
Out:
1.26
